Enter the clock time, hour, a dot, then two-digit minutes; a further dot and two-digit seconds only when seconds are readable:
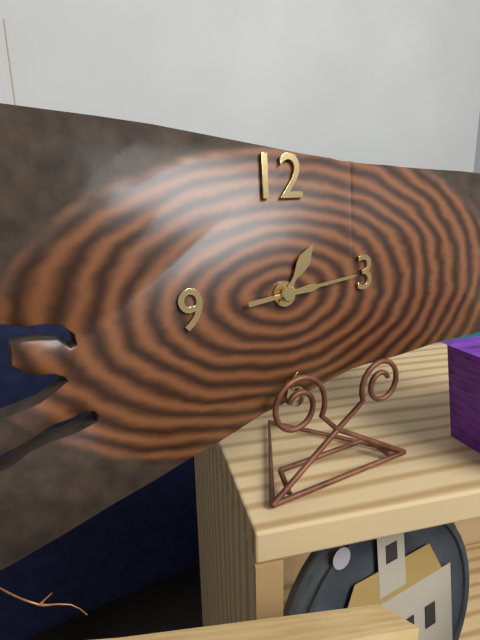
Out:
1.14
